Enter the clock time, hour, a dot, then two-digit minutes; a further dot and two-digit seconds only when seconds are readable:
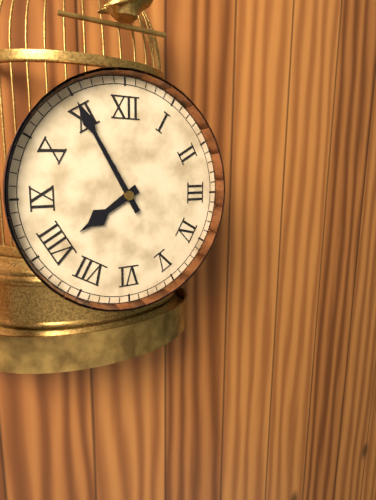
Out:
7.55
